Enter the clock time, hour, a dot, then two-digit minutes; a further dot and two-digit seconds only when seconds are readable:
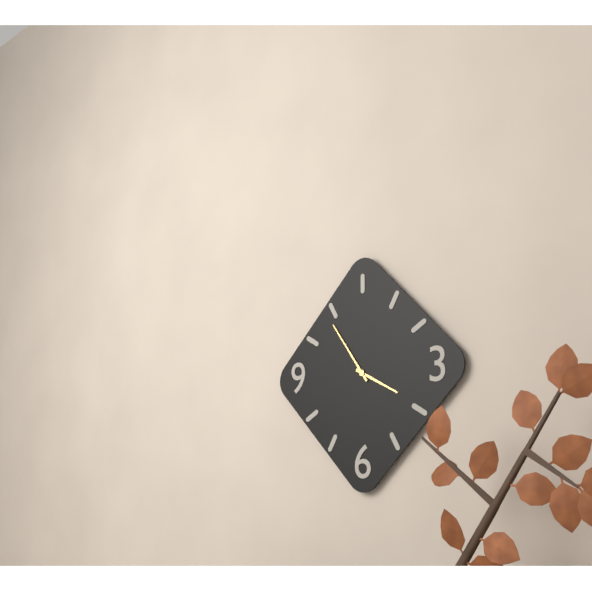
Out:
3.54
